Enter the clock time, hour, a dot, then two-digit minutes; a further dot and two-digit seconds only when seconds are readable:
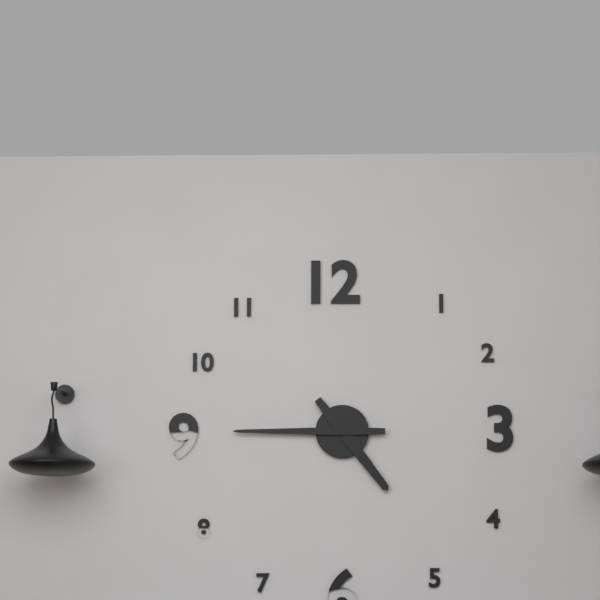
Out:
4.45
